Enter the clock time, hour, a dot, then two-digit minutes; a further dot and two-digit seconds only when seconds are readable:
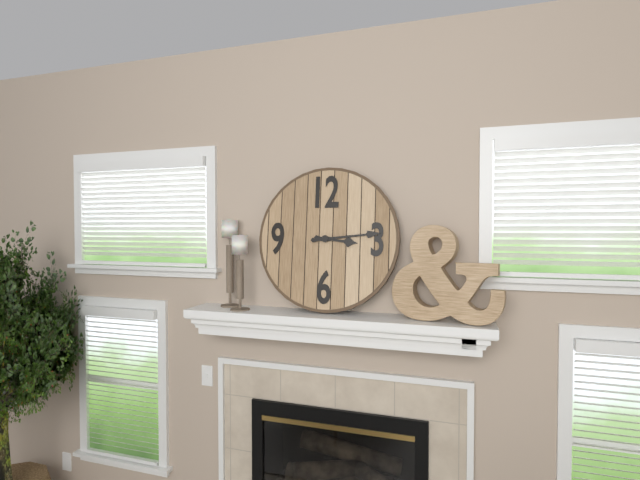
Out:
3.14
